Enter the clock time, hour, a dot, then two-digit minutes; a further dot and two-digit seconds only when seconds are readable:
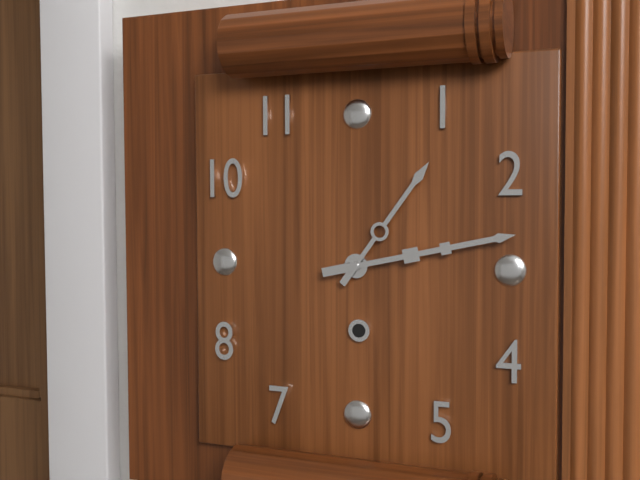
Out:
1.13
